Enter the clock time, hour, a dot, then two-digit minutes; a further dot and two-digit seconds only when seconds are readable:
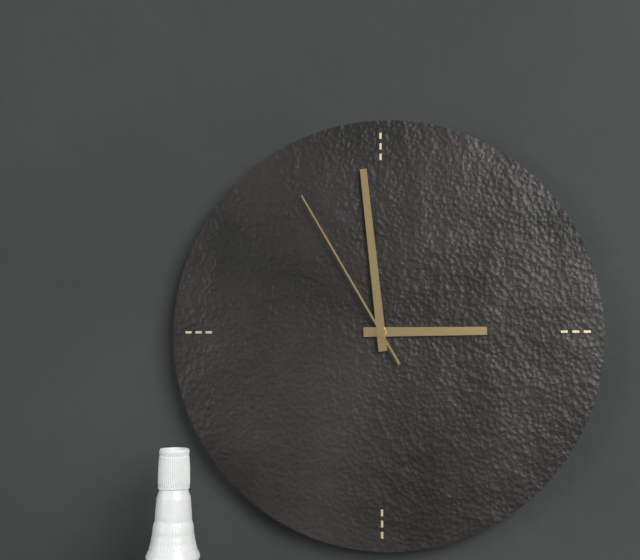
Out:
2.59.55
